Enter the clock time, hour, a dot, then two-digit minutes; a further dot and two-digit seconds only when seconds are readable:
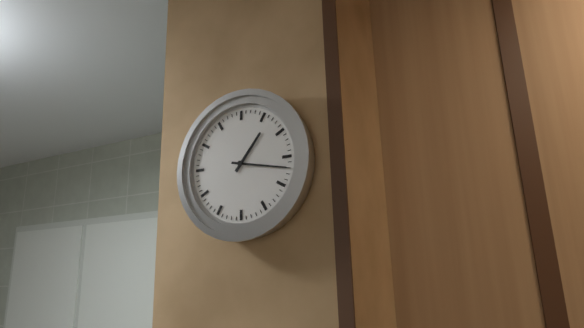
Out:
1.17
